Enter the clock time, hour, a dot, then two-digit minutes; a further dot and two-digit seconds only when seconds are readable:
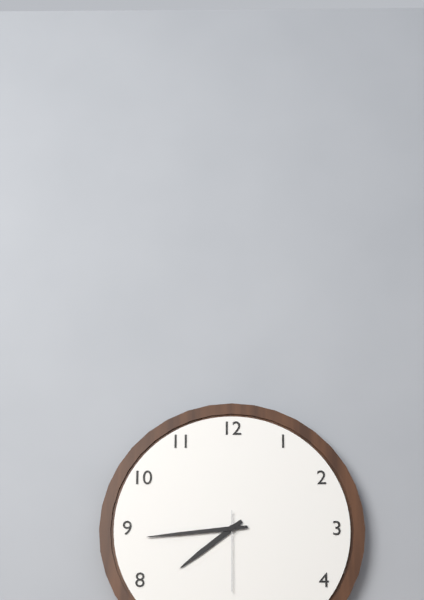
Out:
7.44.30
